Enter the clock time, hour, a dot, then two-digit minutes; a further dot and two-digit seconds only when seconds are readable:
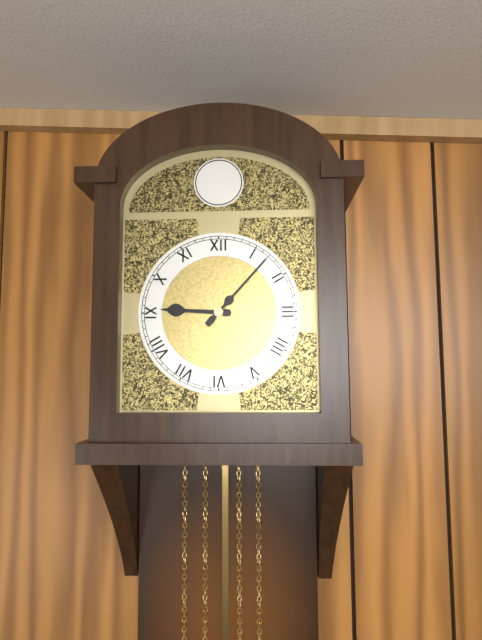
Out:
9.07
